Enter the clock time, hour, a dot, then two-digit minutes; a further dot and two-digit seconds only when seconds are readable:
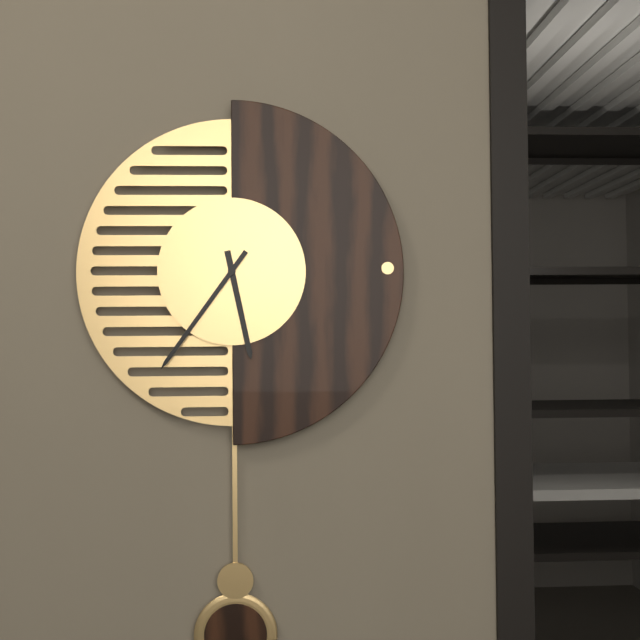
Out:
5.36
